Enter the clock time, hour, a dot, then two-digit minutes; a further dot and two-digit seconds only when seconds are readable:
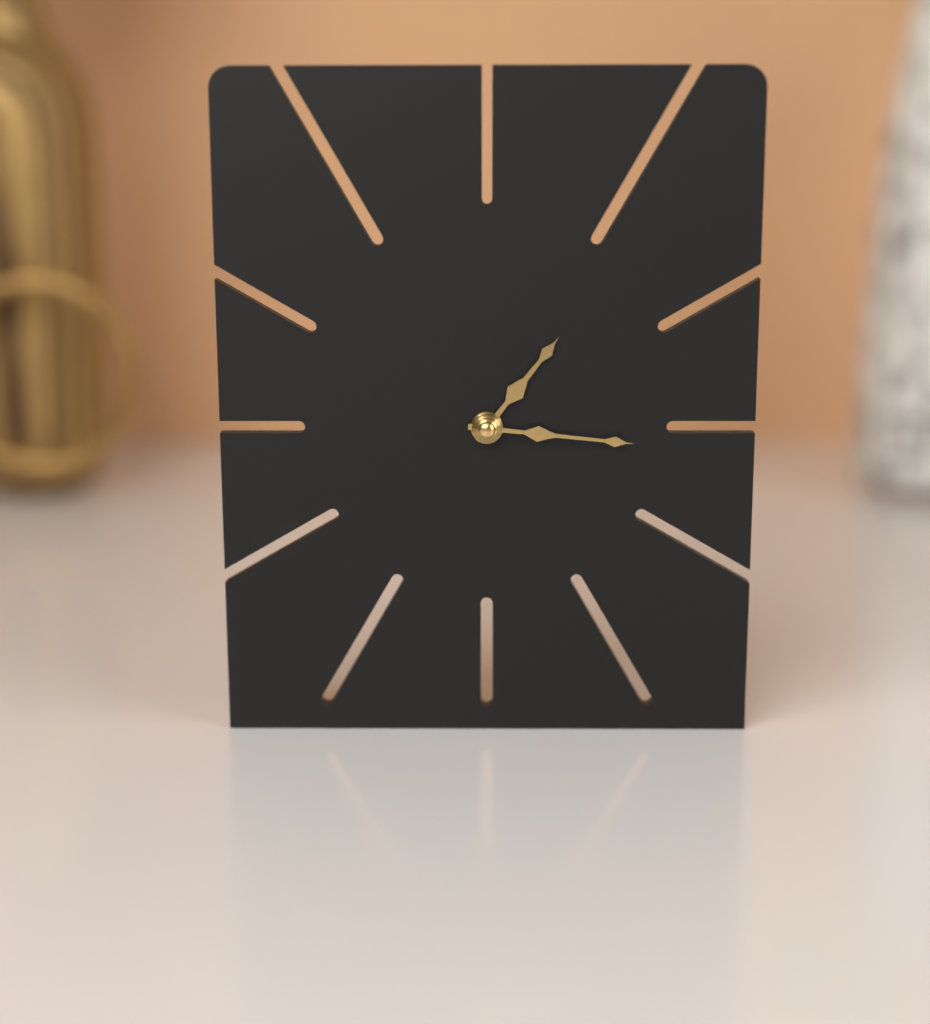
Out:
1.16
